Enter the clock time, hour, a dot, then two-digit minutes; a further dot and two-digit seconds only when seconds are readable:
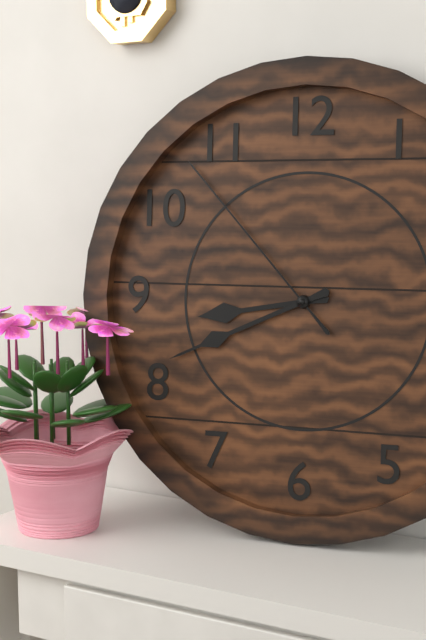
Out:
8.41.53
